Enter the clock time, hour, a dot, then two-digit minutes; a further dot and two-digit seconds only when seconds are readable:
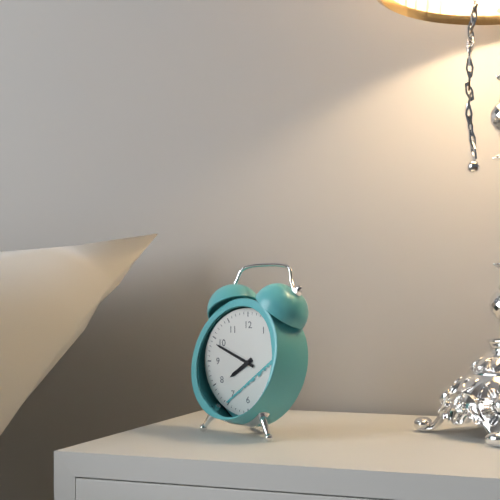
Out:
7.49
